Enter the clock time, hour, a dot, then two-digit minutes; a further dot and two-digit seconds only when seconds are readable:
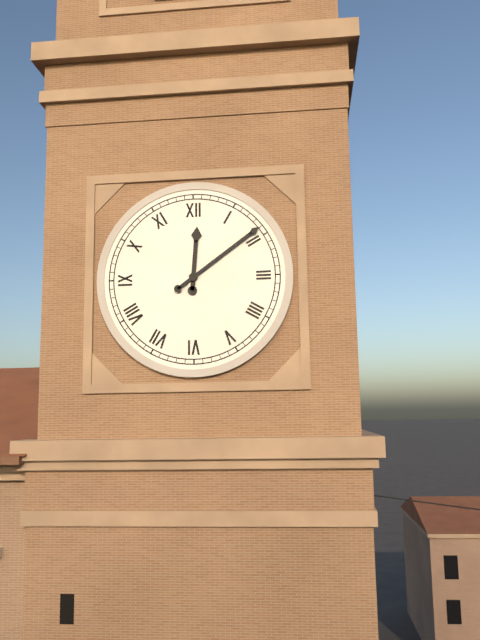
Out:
12.09
